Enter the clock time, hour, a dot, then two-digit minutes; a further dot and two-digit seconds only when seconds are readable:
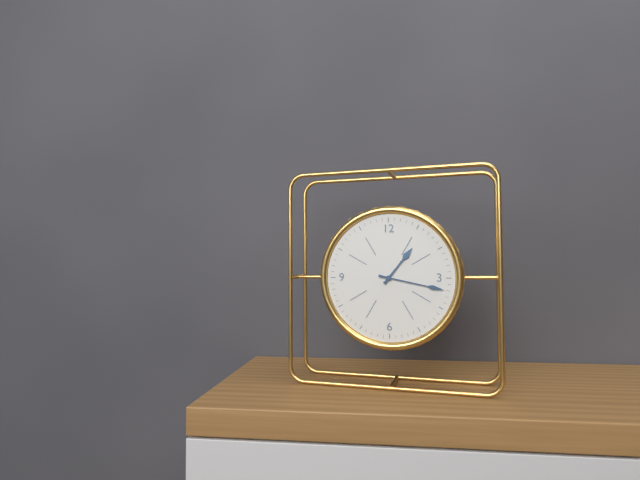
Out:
1.17
